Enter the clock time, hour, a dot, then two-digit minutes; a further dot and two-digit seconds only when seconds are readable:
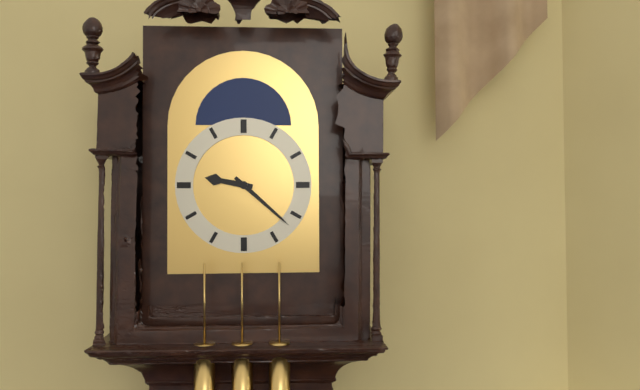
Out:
9.22
